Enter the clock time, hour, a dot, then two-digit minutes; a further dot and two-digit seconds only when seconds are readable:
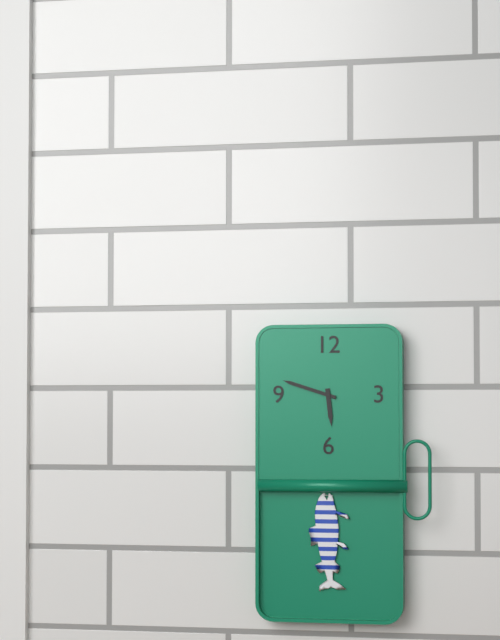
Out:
5.48
